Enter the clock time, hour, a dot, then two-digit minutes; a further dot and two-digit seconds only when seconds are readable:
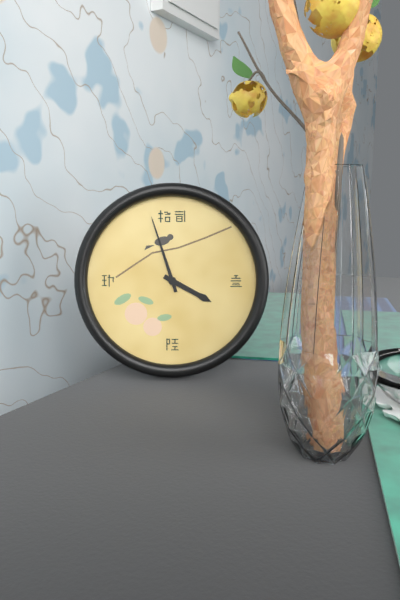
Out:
3.57
